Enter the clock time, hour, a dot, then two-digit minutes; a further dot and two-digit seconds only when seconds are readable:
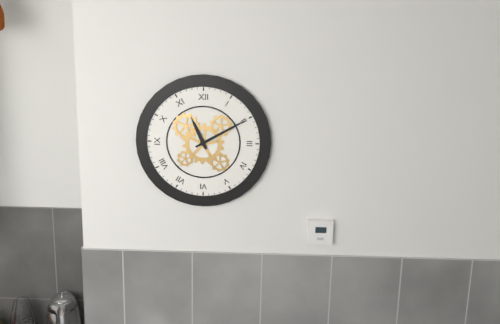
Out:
11.10
